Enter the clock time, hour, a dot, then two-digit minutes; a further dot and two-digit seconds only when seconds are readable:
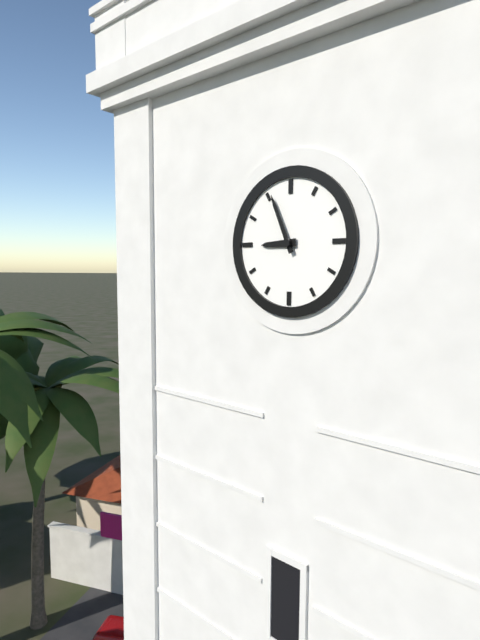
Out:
8.56
